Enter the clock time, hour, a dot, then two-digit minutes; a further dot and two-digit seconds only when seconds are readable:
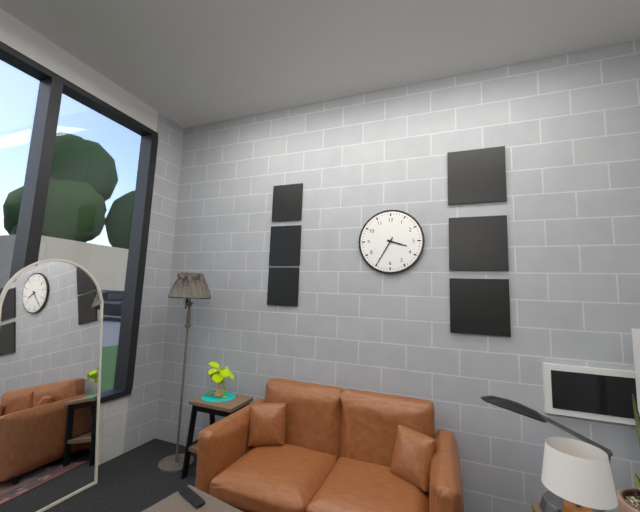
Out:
3.35
